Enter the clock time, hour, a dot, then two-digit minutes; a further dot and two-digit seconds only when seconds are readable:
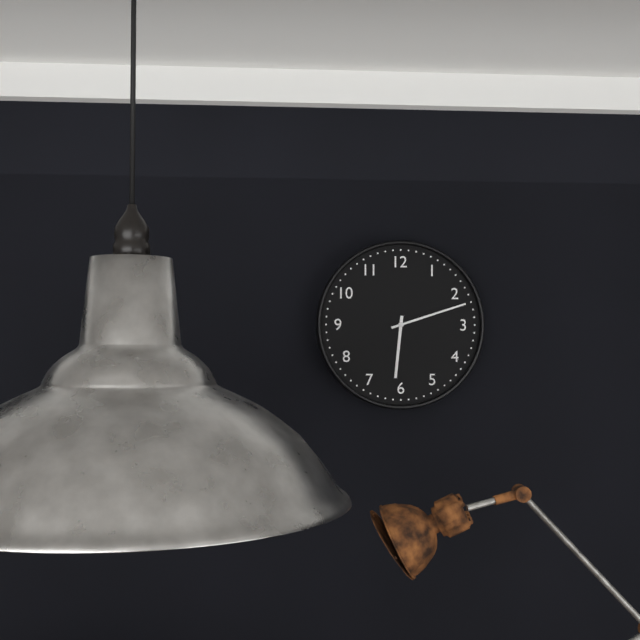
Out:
6.12
